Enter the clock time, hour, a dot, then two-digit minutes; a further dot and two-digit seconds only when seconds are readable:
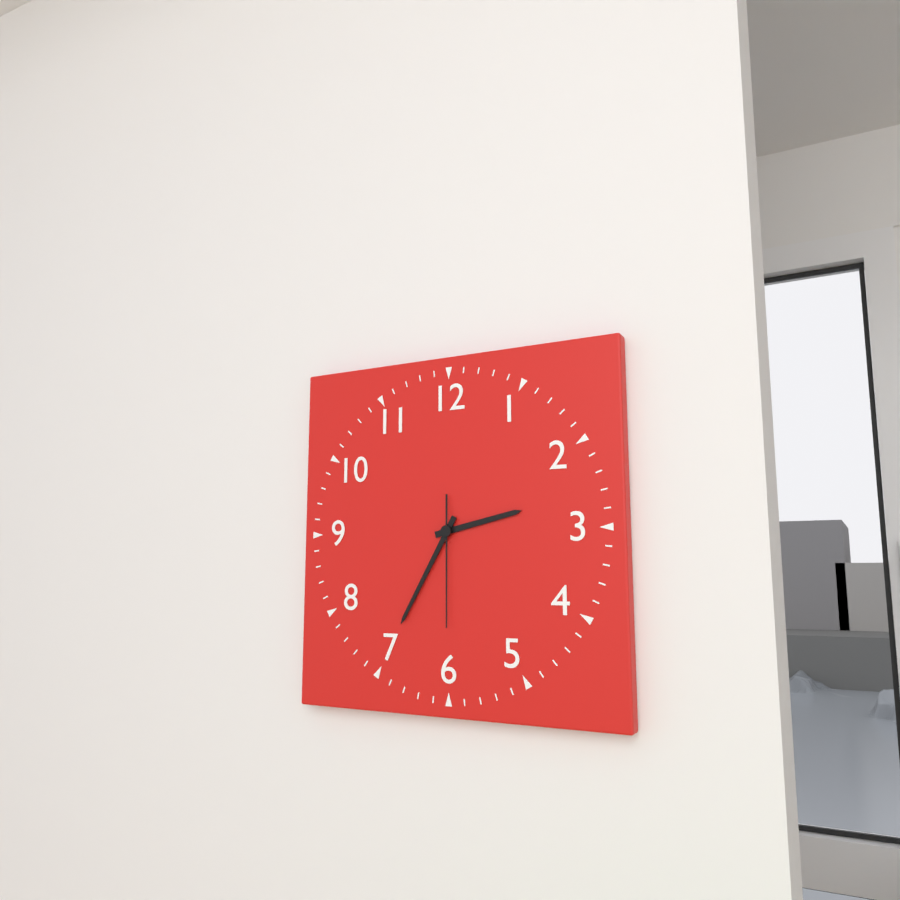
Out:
2.35.30
